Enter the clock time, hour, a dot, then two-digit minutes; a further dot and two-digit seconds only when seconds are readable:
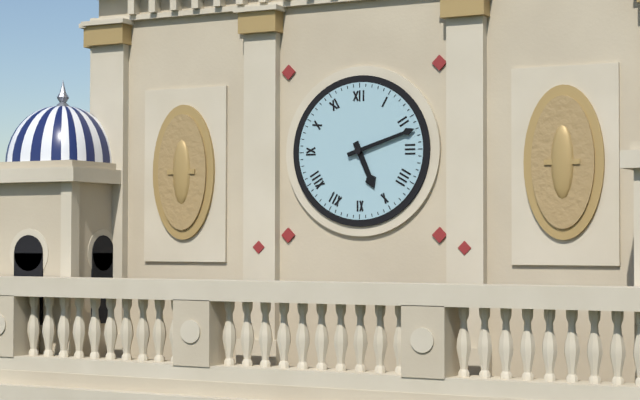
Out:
5.12
